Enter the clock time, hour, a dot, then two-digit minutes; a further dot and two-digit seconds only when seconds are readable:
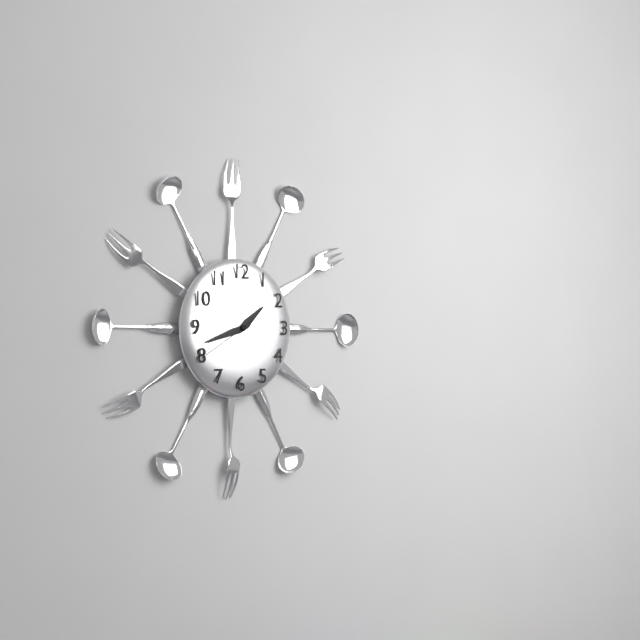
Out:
1.42.40
